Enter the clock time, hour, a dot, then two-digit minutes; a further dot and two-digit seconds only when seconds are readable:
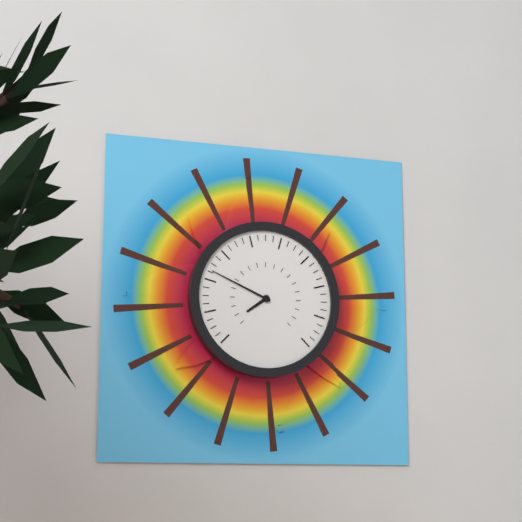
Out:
7.49
